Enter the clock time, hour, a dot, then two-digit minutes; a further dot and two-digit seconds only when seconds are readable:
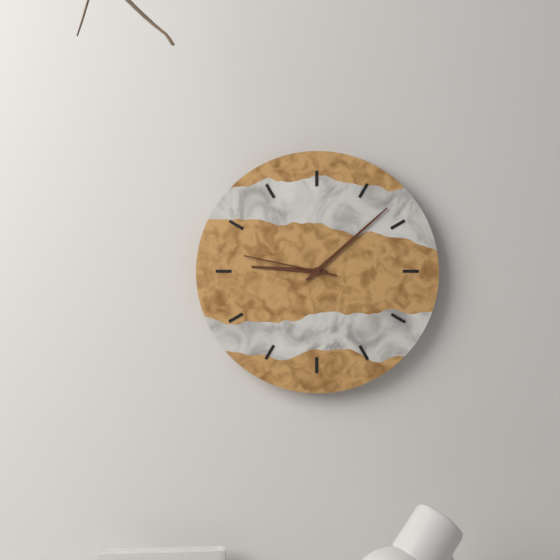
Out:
9.08.47
